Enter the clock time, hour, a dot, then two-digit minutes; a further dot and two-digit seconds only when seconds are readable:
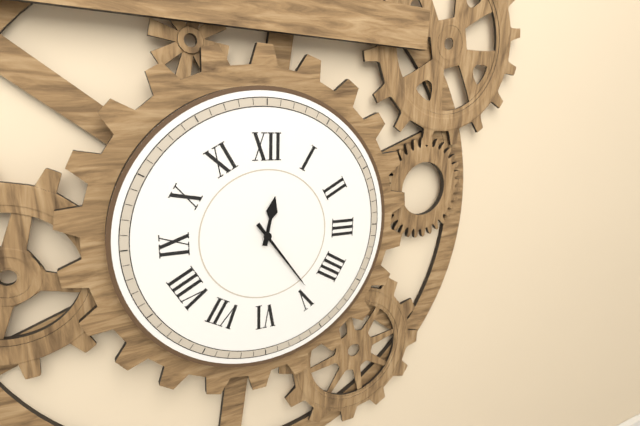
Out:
12.24
